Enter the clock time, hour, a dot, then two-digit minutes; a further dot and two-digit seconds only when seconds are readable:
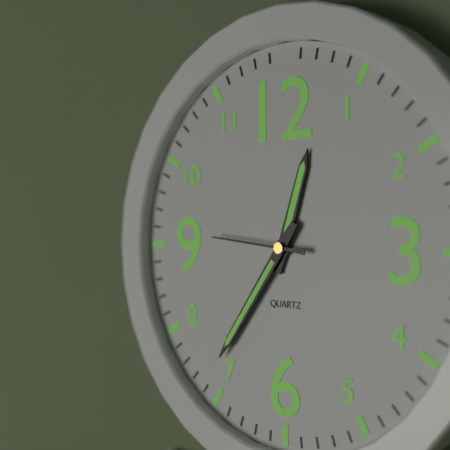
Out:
12.36.46
